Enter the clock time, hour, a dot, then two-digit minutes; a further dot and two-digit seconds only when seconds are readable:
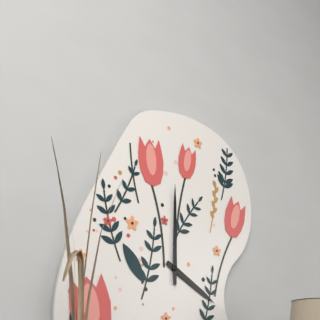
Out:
4.00
